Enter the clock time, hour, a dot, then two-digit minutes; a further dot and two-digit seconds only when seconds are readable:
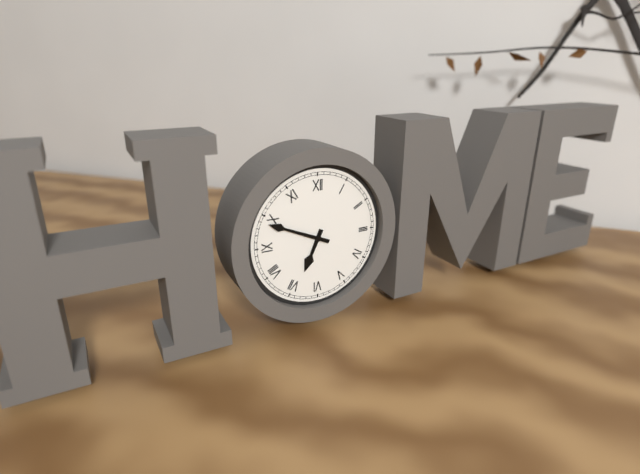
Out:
6.49
